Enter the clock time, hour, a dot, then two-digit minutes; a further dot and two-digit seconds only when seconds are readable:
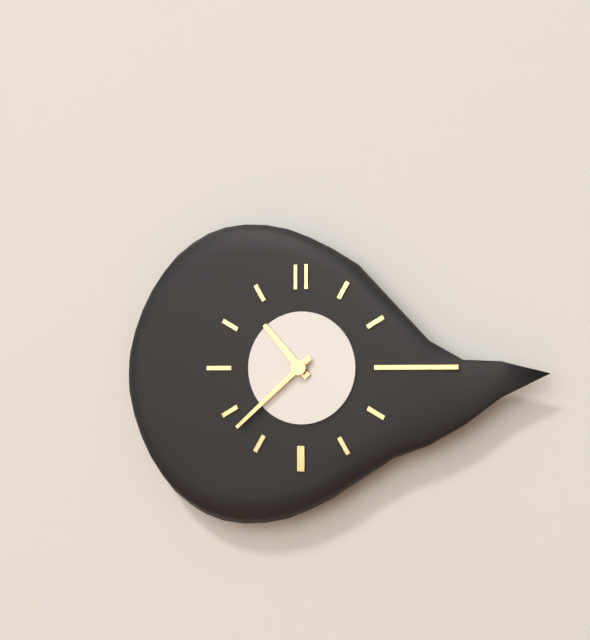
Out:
10.38
